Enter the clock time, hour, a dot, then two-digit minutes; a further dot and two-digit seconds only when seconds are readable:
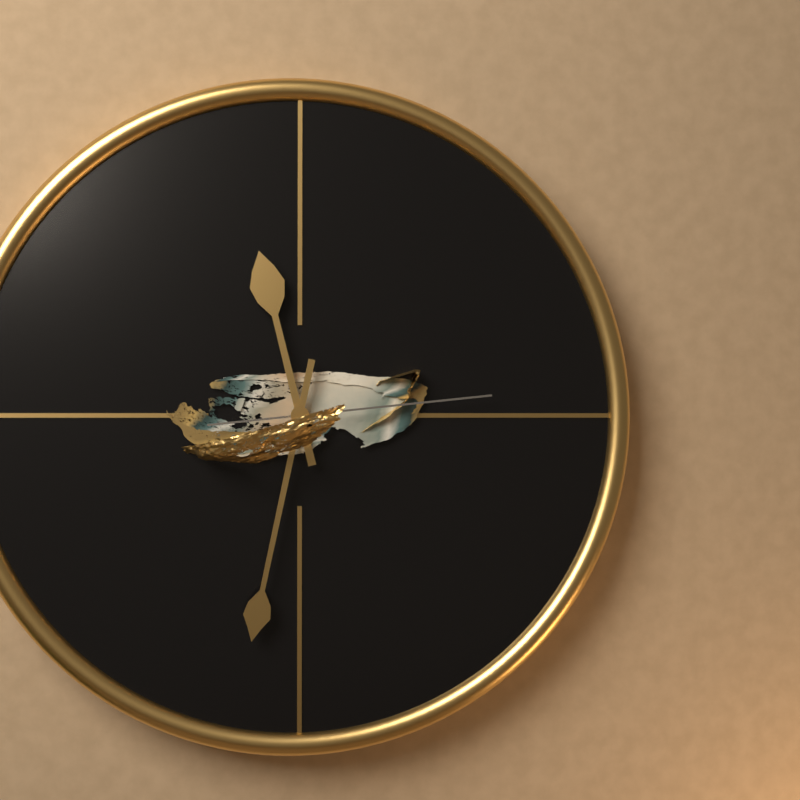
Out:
11.32.14
